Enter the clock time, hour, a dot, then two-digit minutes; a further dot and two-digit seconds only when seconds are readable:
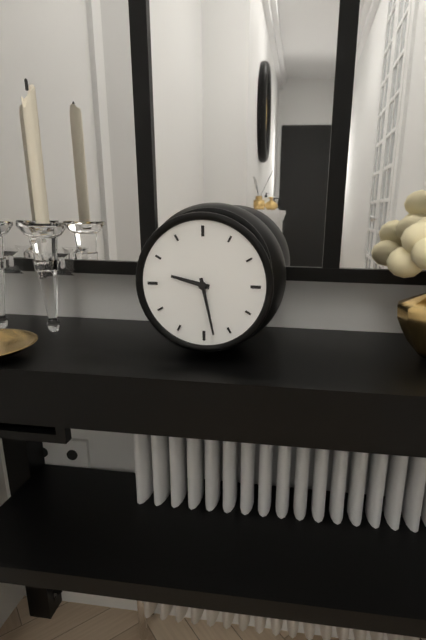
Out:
9.28
